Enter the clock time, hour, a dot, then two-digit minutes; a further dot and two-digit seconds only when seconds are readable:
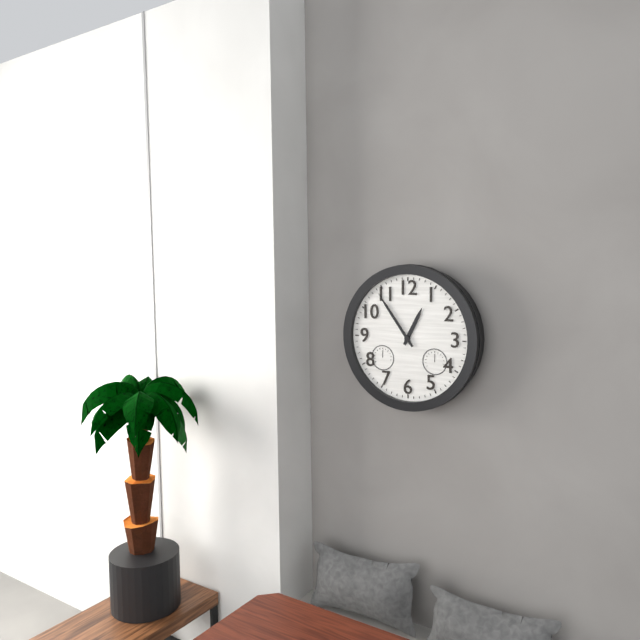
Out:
12.54
